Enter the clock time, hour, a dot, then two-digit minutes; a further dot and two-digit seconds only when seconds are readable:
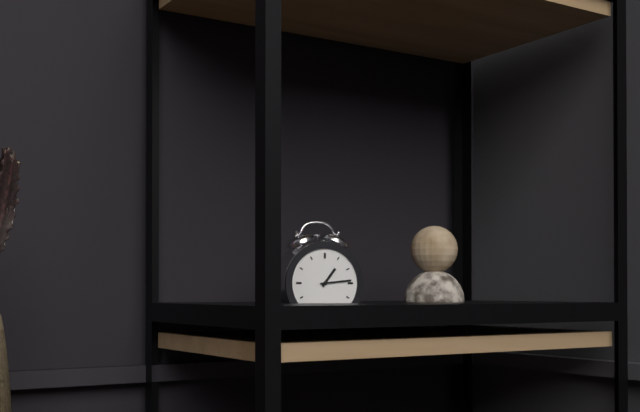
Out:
1.14
